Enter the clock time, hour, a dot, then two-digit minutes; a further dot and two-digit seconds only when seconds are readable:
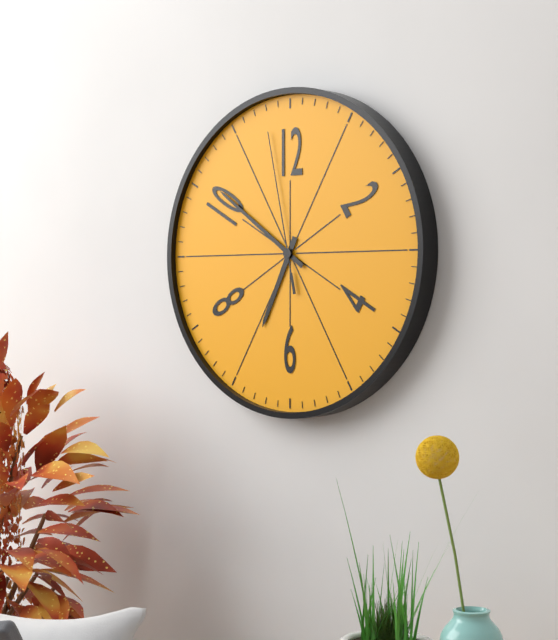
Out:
6.51.58
